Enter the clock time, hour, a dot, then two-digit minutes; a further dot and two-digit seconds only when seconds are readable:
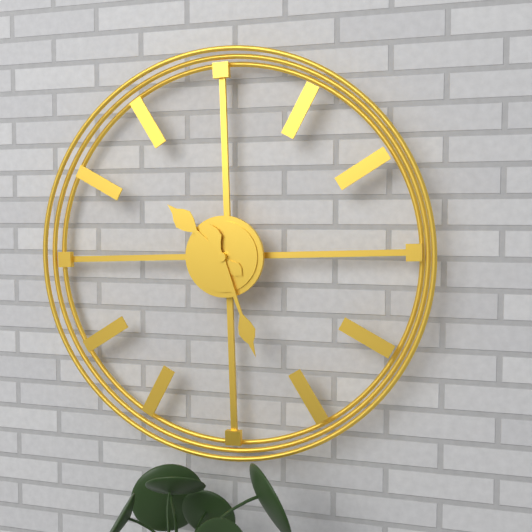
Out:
10.27
